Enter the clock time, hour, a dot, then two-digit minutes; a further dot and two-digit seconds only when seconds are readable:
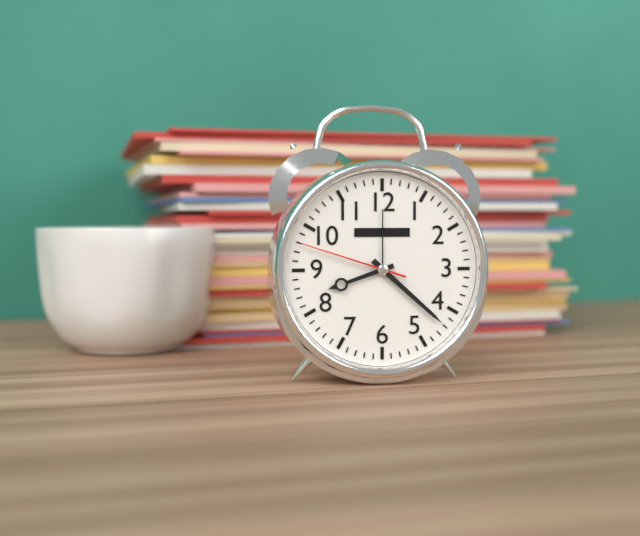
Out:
8.22.48
